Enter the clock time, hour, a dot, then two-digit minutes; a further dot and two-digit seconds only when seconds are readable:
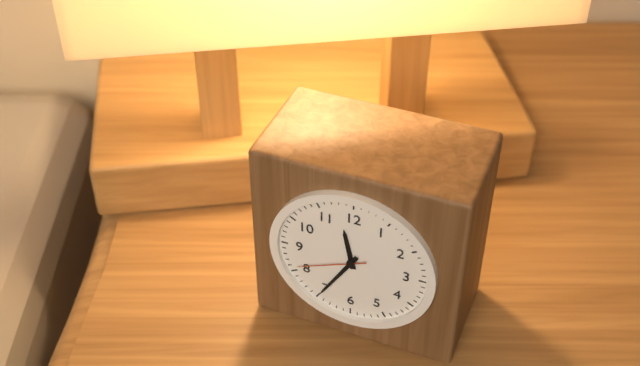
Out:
11.35.41
